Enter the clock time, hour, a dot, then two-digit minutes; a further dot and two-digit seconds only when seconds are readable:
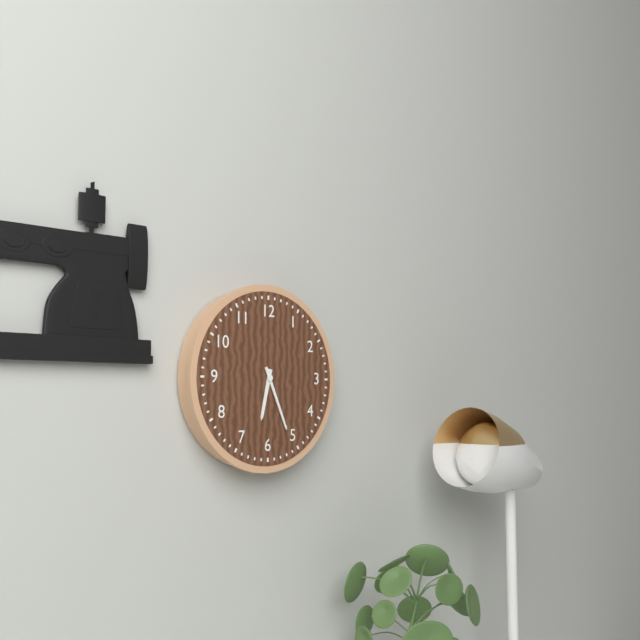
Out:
6.26
